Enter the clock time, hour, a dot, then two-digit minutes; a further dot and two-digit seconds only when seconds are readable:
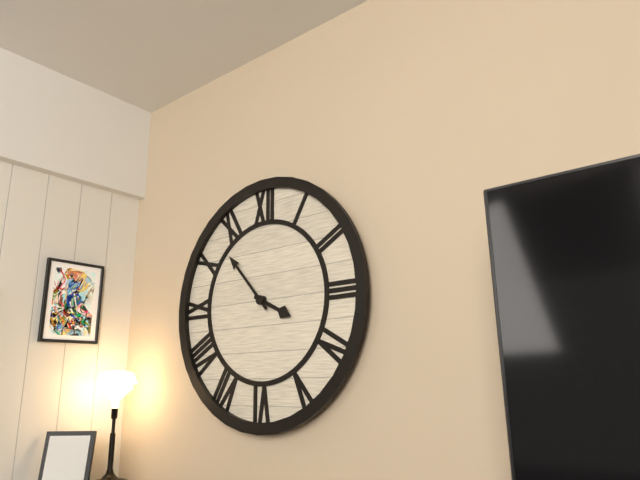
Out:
3.53
